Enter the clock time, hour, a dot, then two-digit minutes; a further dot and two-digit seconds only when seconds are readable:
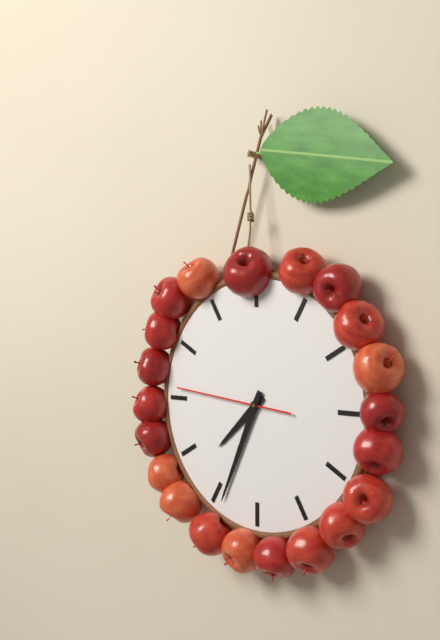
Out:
7.34.46
